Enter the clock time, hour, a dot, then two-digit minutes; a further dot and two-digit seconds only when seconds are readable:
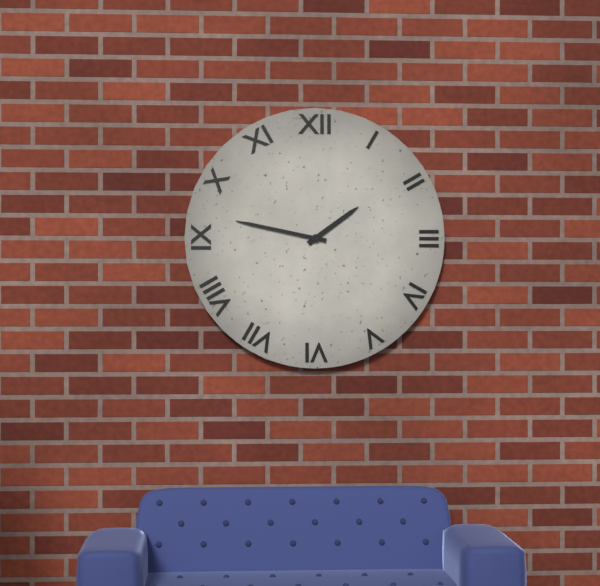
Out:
1.47
